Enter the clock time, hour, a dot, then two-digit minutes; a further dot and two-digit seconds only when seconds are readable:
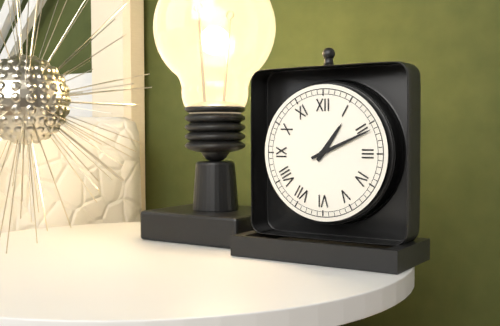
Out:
1.11
